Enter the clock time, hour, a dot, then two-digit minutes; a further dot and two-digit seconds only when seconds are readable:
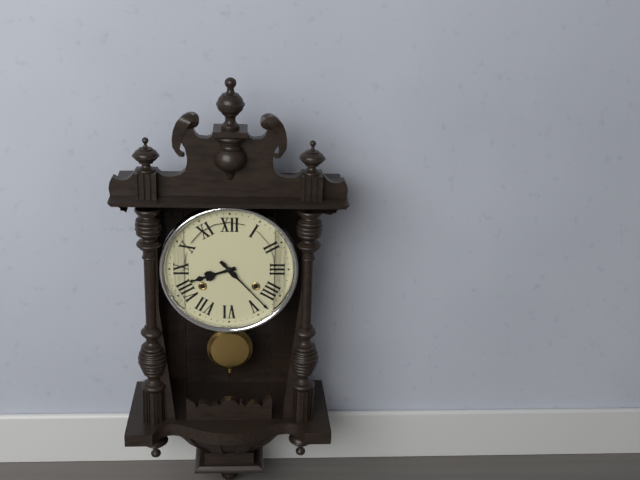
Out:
8.23
